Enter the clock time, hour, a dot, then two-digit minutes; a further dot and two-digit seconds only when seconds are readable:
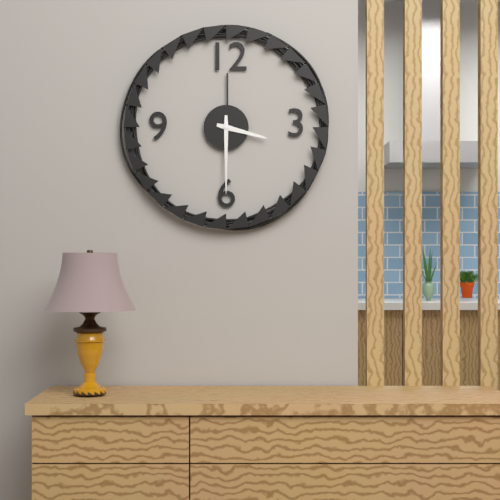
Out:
3.30
